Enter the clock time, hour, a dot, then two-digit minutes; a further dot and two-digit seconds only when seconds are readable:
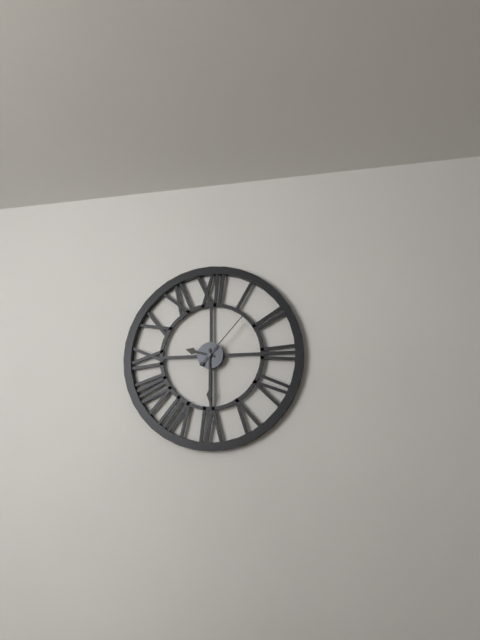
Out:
9.30.07
